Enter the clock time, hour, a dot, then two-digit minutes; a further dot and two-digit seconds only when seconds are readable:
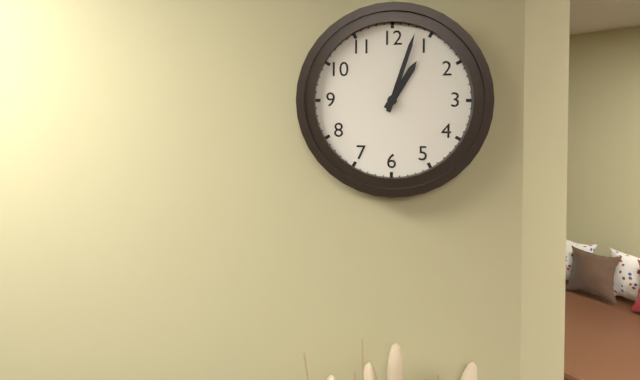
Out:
1.03
